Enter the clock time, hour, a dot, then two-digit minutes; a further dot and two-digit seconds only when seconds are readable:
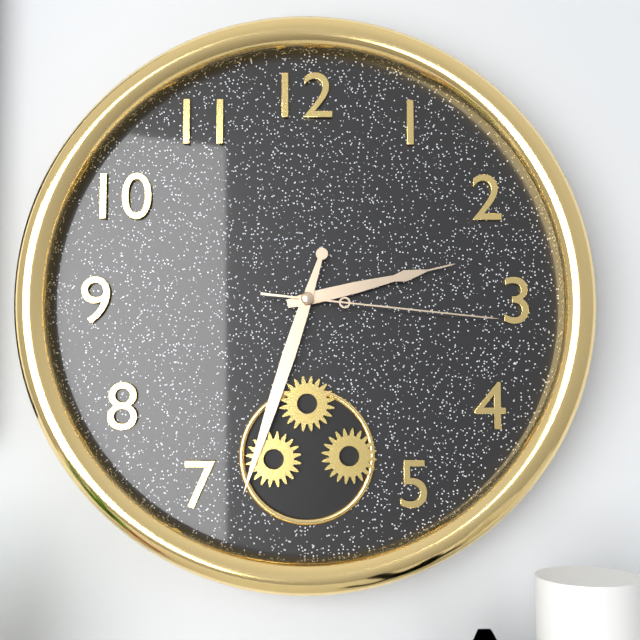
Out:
2.33.16
